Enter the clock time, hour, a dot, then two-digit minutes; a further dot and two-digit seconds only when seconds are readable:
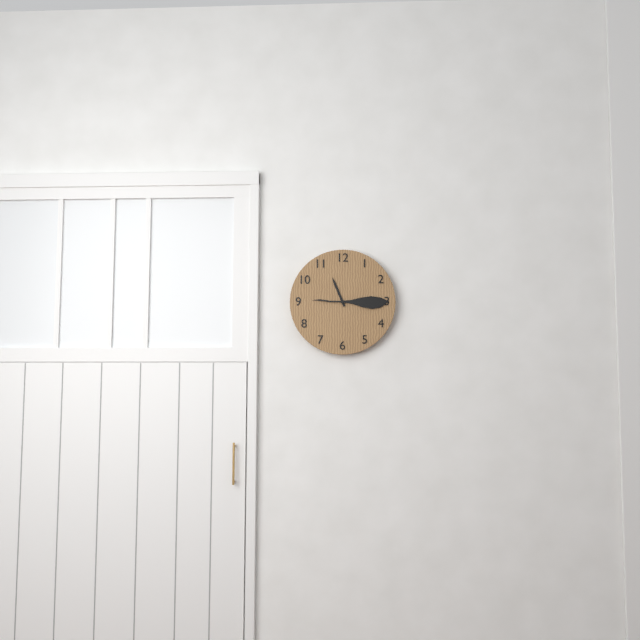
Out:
11.15
